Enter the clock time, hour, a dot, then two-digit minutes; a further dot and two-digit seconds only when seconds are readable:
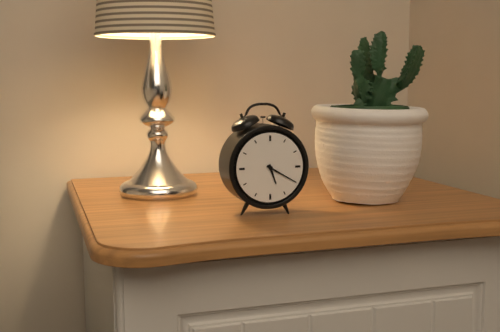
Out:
5.20
